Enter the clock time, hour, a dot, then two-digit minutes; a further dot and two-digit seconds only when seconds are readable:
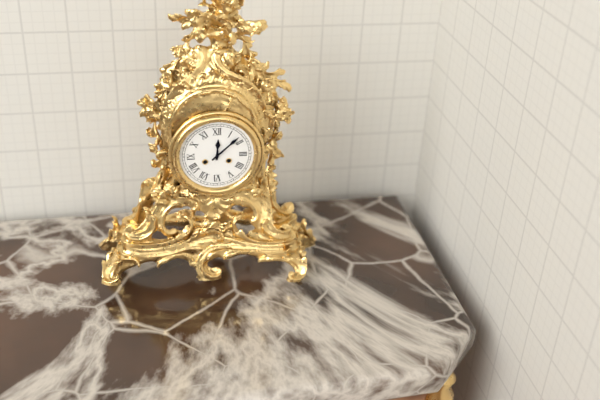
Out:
12.08
